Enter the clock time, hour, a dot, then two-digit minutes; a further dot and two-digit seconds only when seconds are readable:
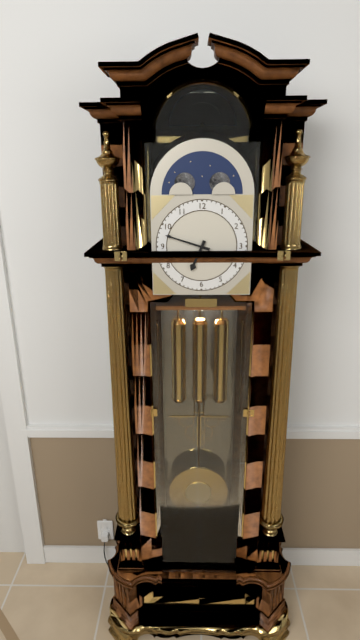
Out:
6.48
